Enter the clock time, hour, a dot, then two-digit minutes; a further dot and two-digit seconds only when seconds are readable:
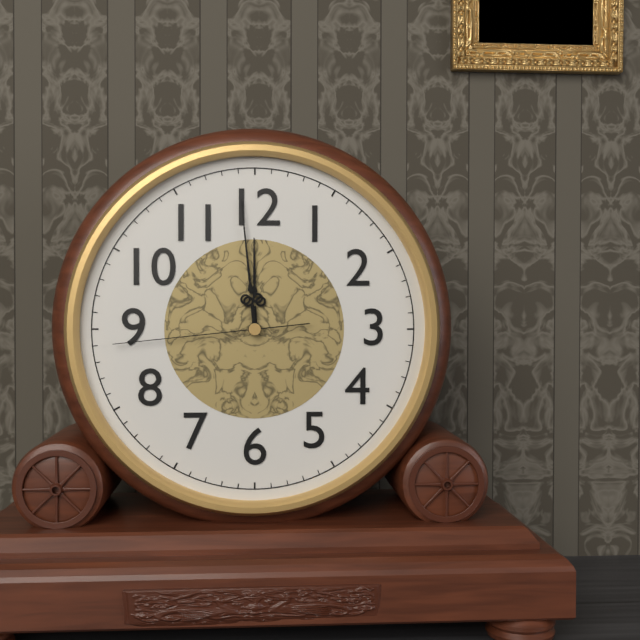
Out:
11.59.44
